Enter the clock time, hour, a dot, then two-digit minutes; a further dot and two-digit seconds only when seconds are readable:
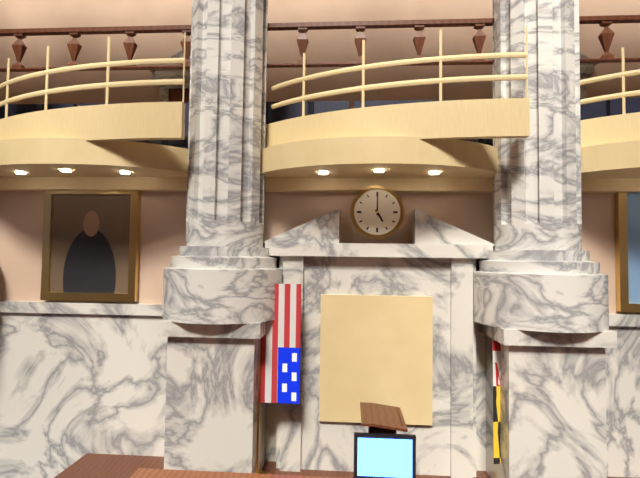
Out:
5.00
